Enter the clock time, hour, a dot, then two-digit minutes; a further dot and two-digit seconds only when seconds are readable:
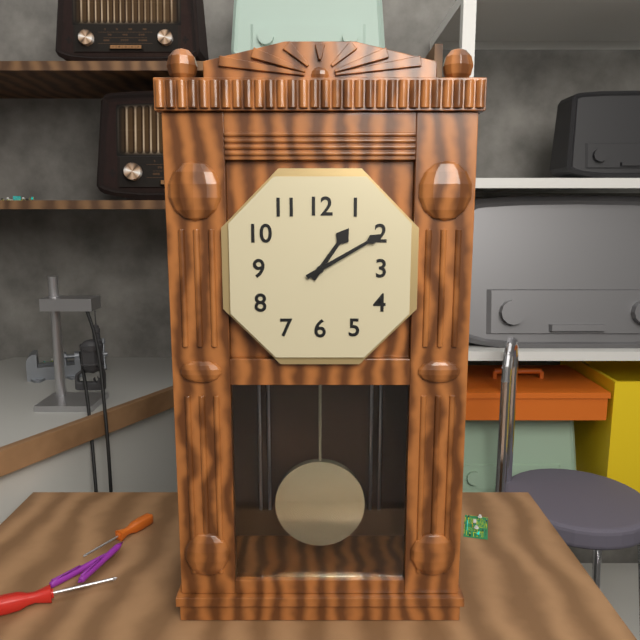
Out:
1.10
